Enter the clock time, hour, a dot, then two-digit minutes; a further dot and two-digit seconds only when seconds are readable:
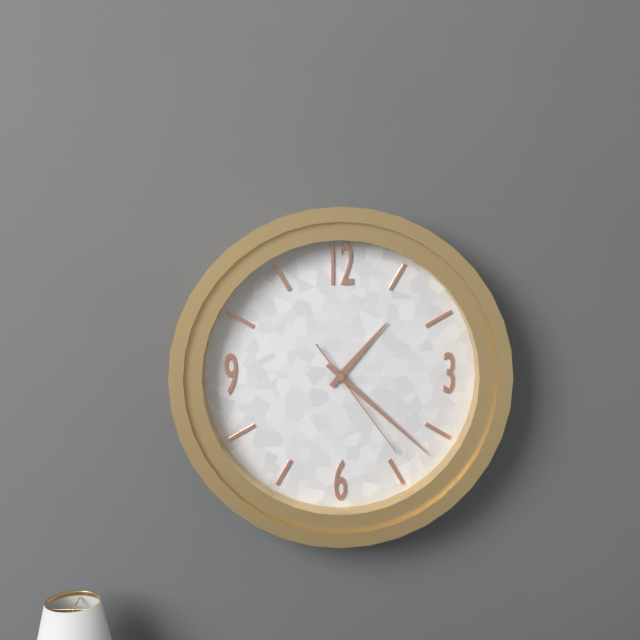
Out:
1.22.24
